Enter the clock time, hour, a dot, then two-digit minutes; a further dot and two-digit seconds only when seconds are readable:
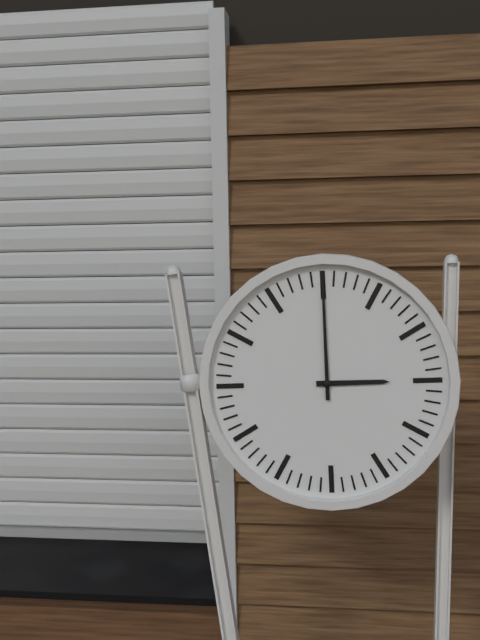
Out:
3.00
